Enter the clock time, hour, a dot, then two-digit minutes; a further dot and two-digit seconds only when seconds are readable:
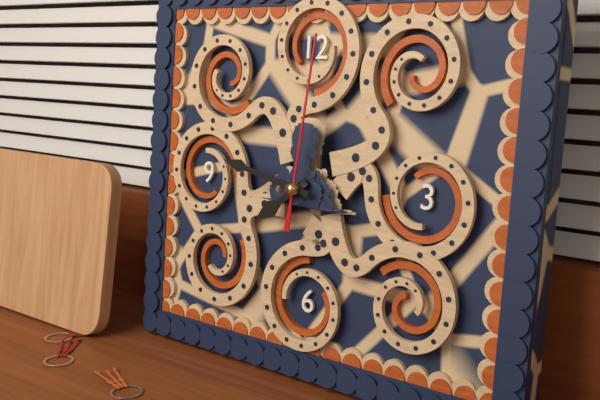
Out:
7.47.01
